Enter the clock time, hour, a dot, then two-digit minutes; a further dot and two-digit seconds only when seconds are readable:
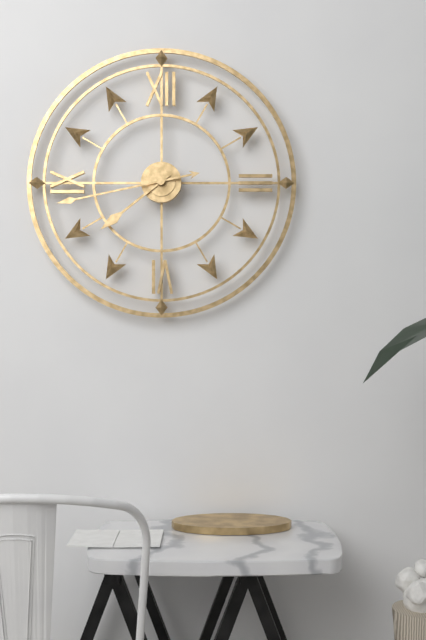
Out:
7.43
